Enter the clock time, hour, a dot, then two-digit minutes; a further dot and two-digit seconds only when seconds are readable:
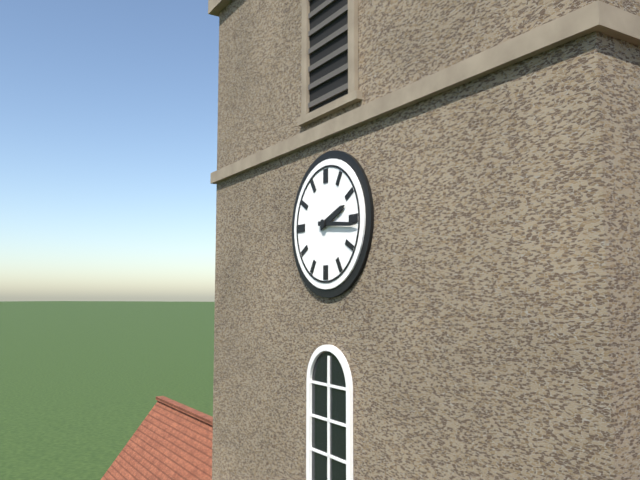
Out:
2.16
